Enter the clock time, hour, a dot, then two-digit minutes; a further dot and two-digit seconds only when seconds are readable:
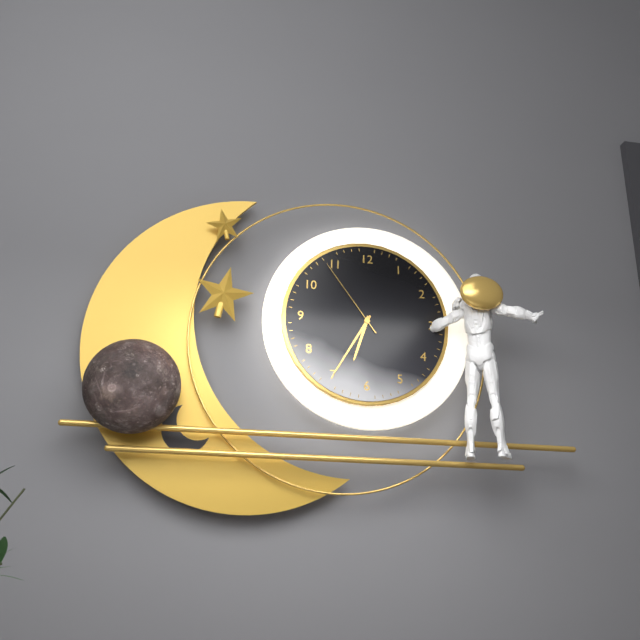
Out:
6.35.54
